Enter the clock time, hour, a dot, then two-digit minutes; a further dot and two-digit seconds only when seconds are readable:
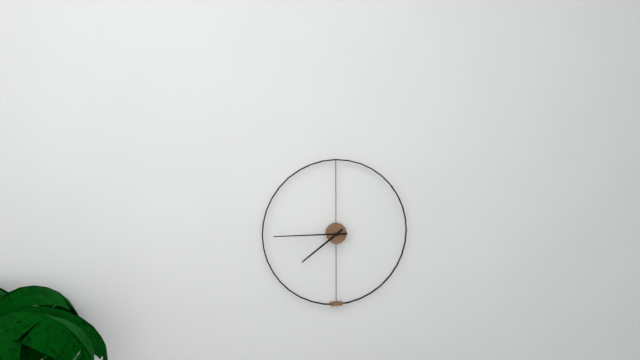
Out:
7.45
